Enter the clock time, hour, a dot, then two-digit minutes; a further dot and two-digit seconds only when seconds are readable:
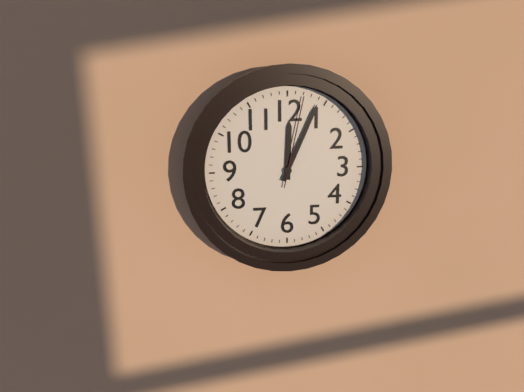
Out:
12.04.02
